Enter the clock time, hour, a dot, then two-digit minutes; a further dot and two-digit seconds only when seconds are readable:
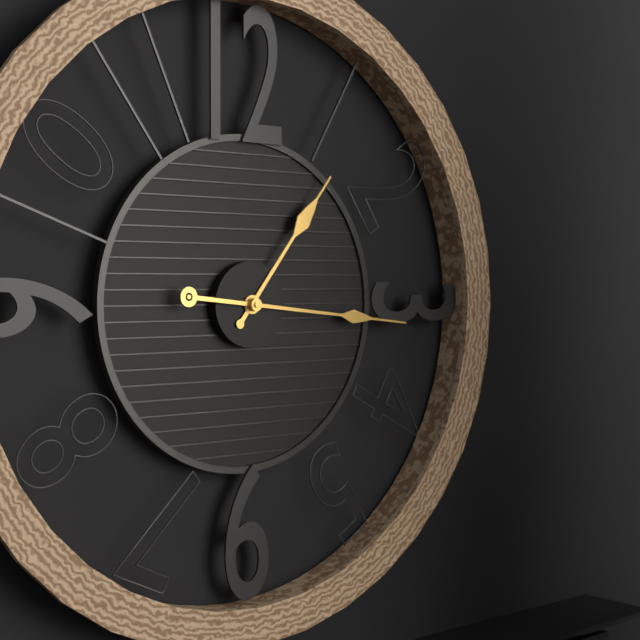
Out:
1.16
